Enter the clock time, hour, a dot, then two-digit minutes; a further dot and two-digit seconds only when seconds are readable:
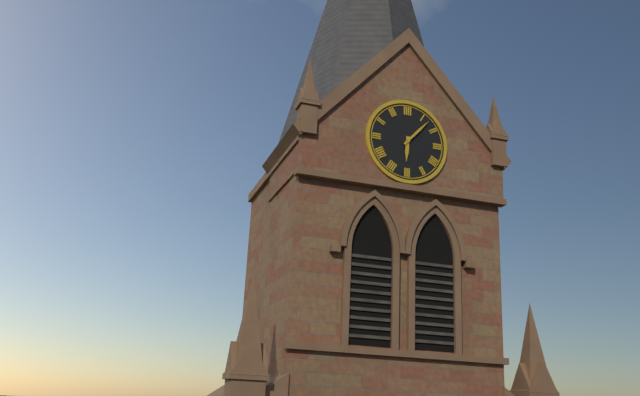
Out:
6.07
